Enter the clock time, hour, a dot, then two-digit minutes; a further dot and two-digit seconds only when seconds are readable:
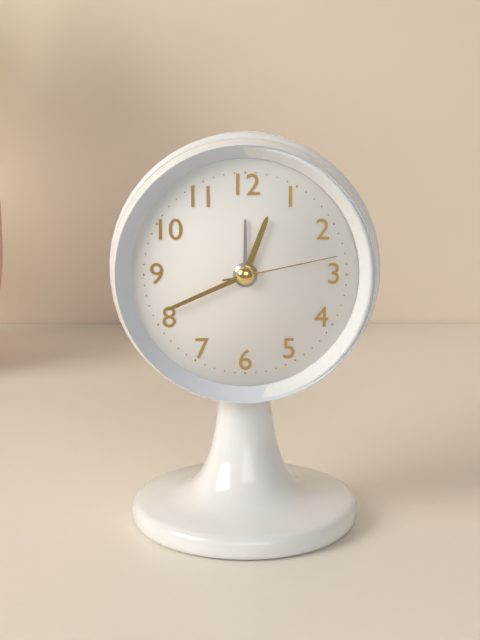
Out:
12.41.13
